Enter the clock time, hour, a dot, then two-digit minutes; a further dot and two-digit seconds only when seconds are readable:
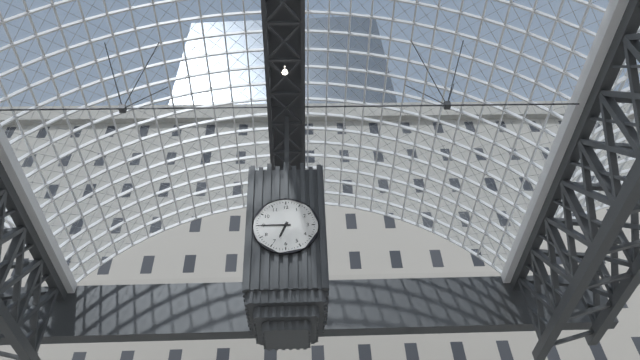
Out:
6.45
